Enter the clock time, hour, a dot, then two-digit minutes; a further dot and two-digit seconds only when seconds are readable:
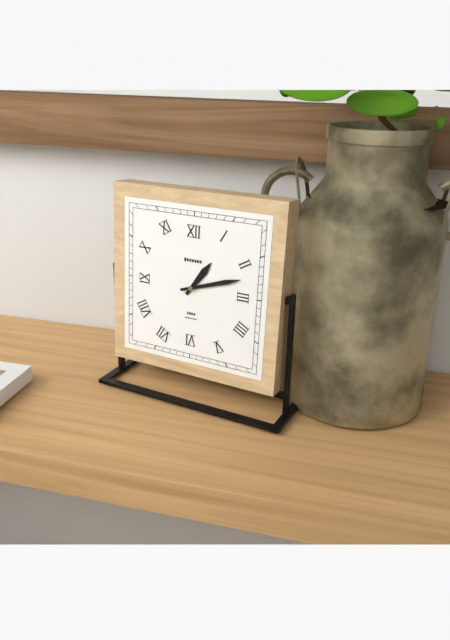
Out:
1.12
